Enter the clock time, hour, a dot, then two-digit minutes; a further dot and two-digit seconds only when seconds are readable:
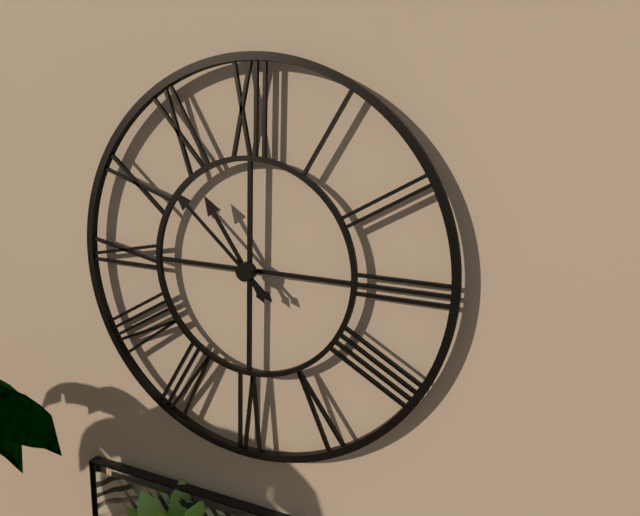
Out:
10.52
